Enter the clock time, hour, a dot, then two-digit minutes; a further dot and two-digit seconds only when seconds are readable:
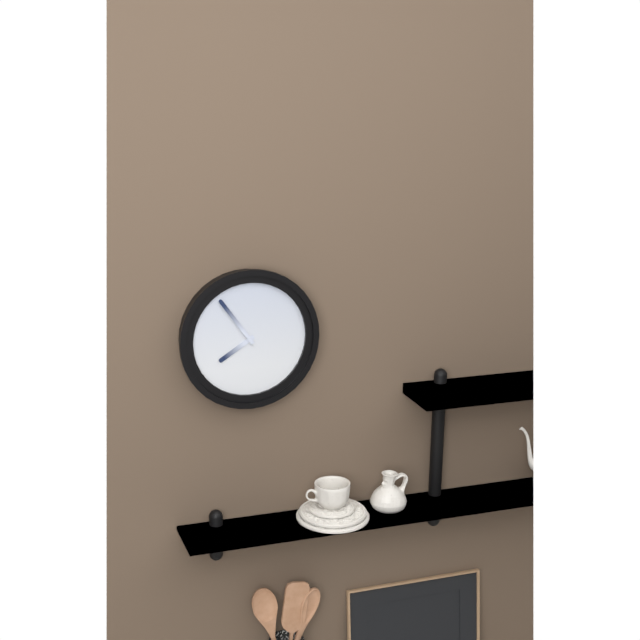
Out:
7.54
